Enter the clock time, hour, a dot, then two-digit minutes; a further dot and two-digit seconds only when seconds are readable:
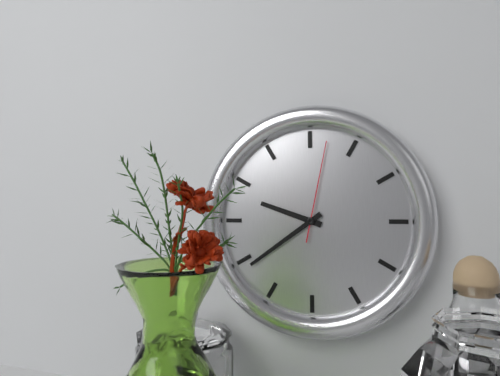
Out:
9.39.02
